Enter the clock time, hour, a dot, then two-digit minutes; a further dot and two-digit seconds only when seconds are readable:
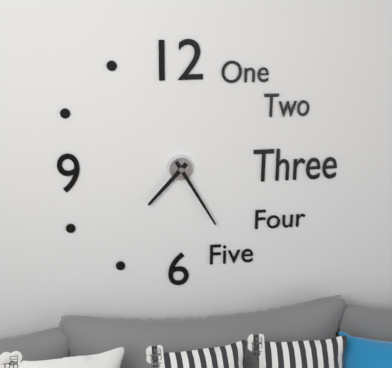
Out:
7.25
